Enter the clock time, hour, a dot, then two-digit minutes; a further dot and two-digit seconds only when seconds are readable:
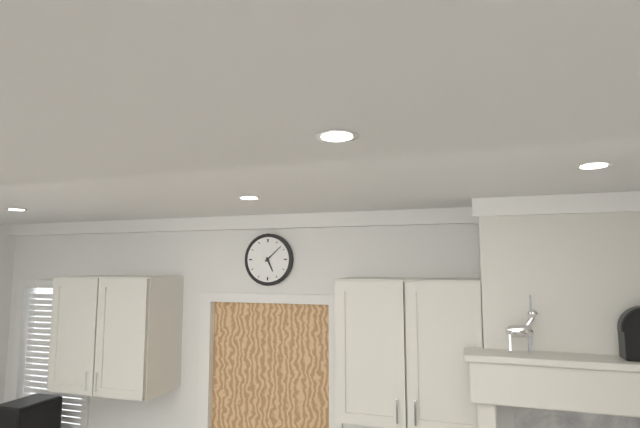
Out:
5.08
